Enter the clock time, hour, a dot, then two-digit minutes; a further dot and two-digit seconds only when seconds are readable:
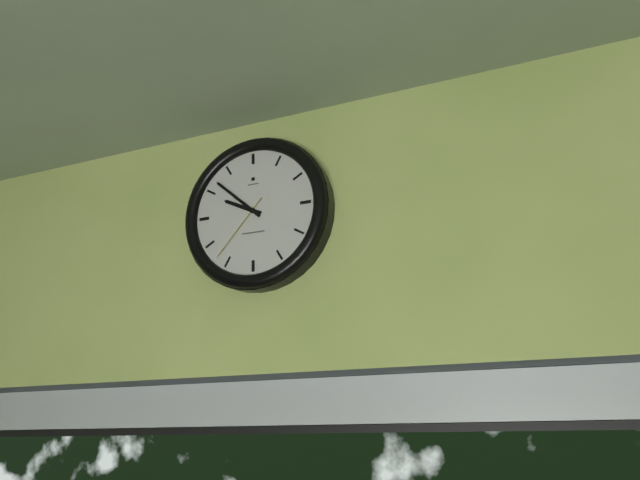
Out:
9.52.37
